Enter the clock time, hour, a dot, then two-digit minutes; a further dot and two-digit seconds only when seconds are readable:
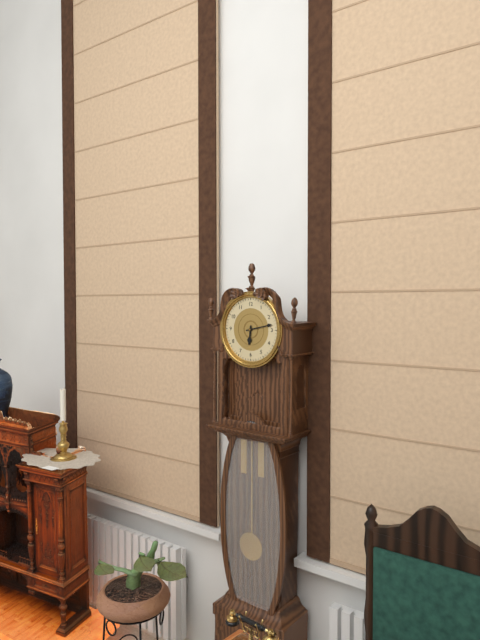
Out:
6.13
